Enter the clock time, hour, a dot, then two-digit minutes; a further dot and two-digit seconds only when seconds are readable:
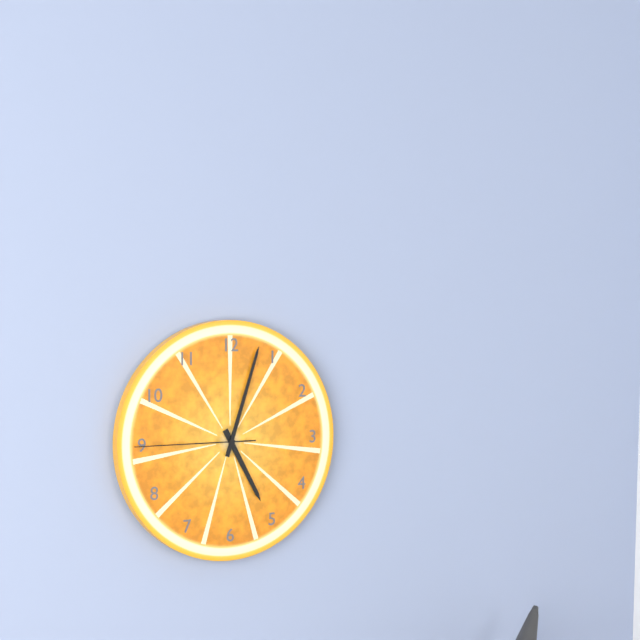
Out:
5.03.45
